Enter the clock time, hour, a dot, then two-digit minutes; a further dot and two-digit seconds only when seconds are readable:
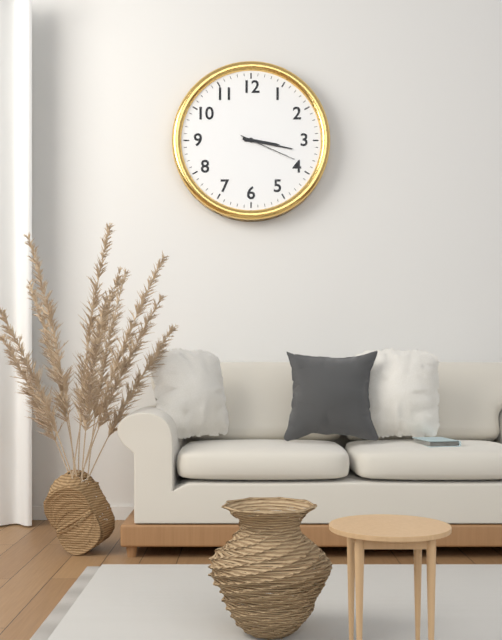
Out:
3.17.19
